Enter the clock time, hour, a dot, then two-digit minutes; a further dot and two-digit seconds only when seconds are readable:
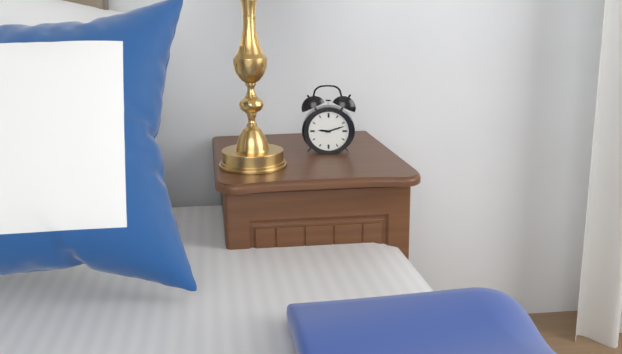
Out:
9.12
